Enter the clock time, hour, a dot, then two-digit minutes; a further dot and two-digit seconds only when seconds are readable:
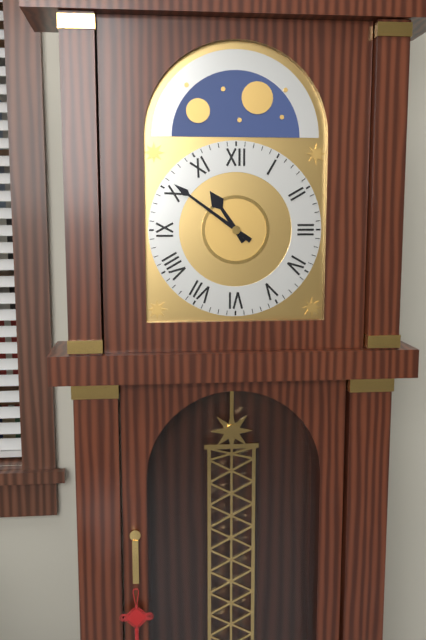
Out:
10.51
